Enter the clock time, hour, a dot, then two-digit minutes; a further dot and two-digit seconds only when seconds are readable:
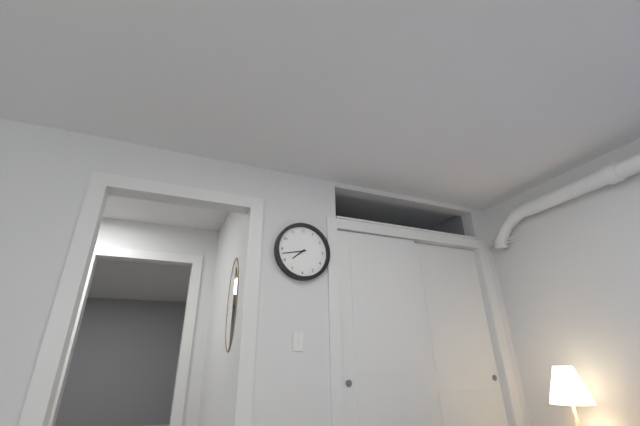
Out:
7.43
